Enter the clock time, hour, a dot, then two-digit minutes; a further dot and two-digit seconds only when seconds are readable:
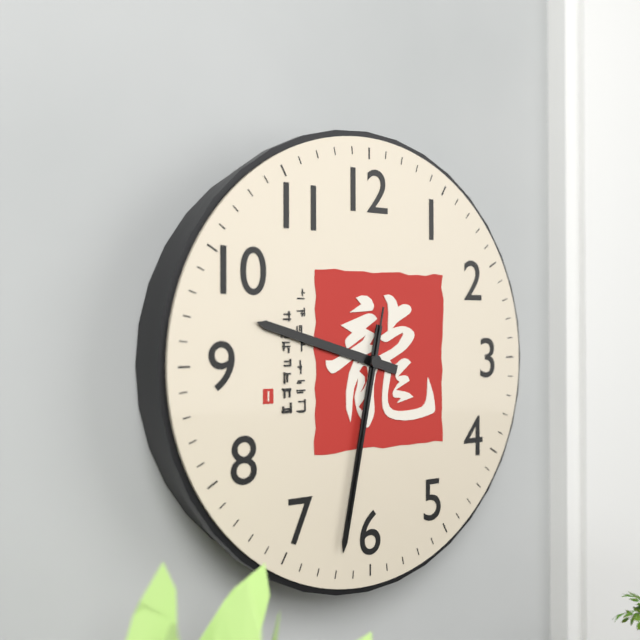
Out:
9.32.32
